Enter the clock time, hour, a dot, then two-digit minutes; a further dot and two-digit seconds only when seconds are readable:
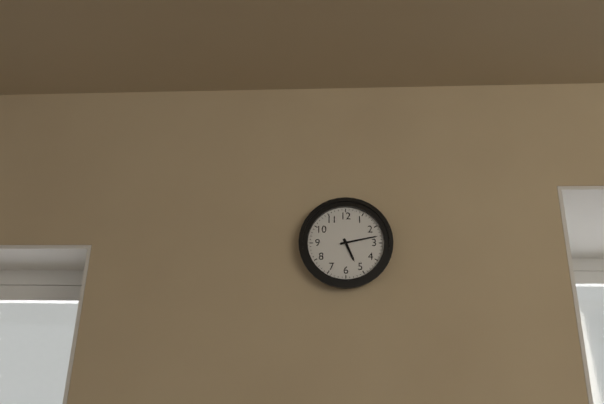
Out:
5.13
